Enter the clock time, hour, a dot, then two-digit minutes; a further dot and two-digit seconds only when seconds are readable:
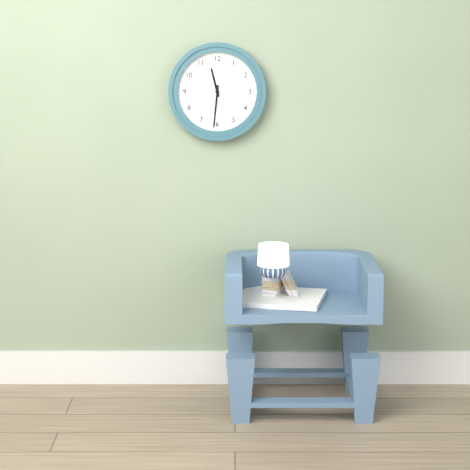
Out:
11.31
